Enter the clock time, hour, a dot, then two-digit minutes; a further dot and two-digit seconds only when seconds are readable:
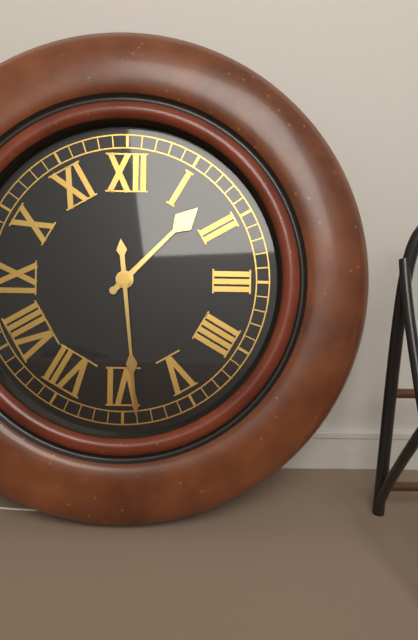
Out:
1.29
